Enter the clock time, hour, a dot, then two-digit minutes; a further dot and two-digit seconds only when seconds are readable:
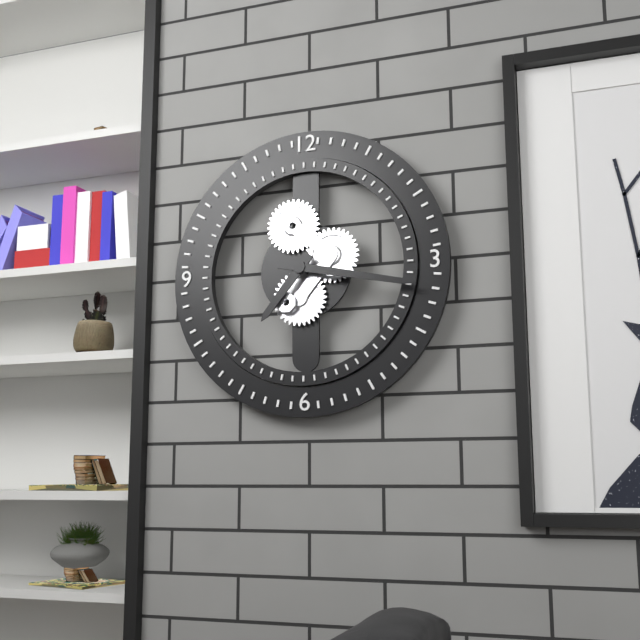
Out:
7.17
